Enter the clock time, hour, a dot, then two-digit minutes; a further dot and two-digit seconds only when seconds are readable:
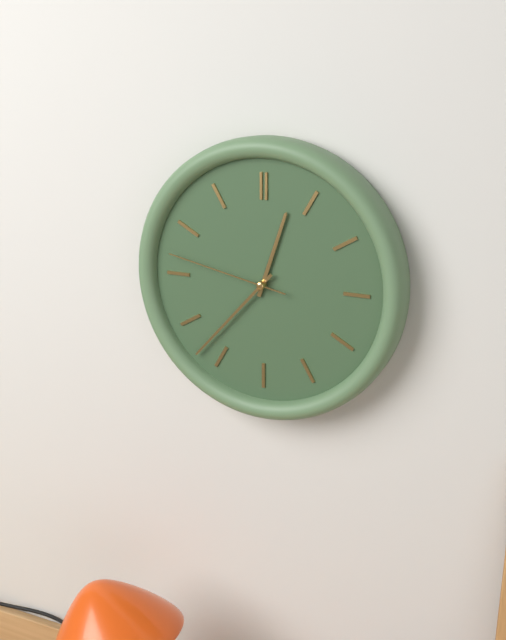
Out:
12.37.47
